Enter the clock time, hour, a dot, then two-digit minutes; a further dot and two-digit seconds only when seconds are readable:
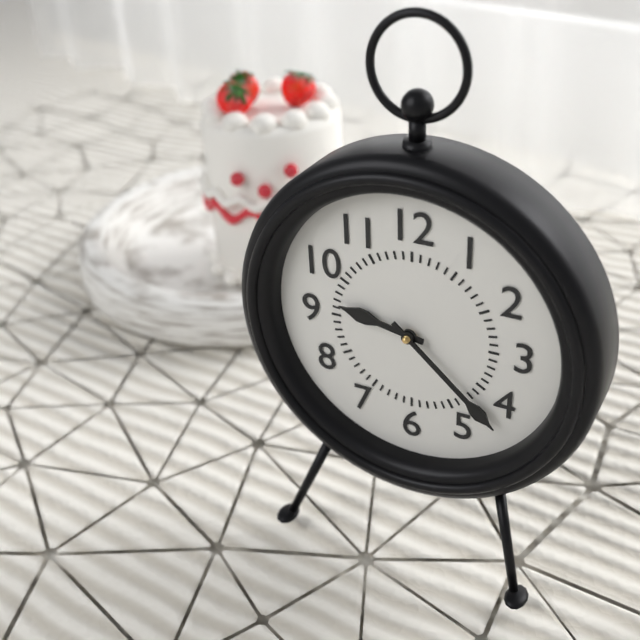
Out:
9.22
